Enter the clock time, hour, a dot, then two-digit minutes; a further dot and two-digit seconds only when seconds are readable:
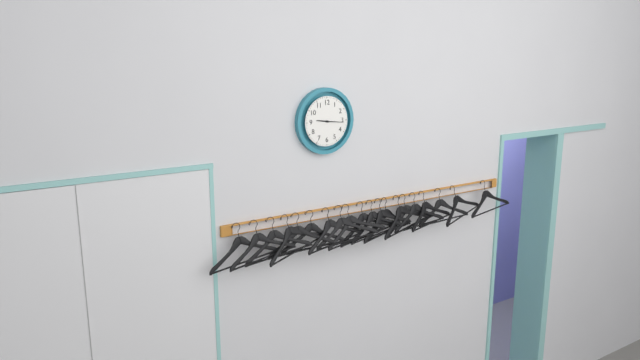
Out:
9.16
